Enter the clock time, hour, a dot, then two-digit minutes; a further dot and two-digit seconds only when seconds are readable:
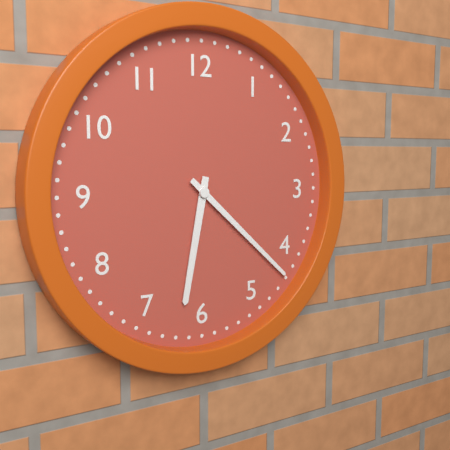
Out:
6.22
